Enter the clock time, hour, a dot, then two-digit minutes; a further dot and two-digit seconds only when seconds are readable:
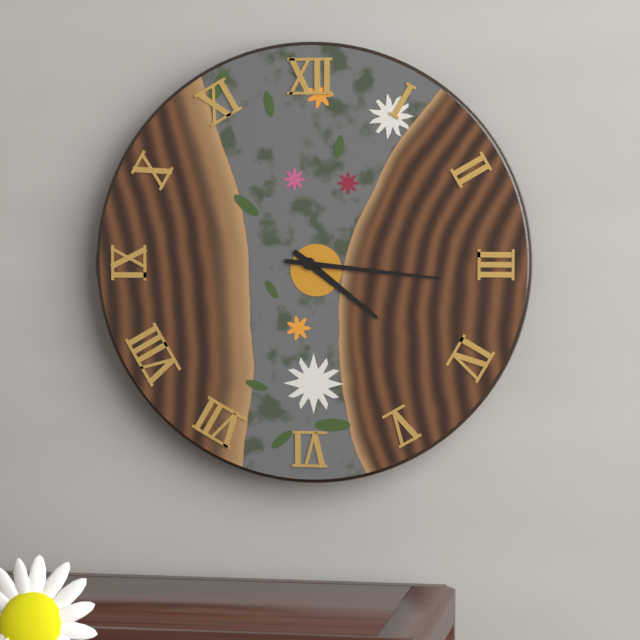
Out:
4.16
